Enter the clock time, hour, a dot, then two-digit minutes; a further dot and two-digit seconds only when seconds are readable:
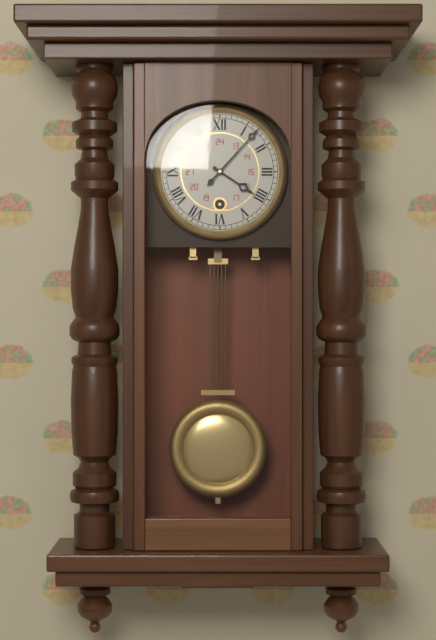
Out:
4.07
